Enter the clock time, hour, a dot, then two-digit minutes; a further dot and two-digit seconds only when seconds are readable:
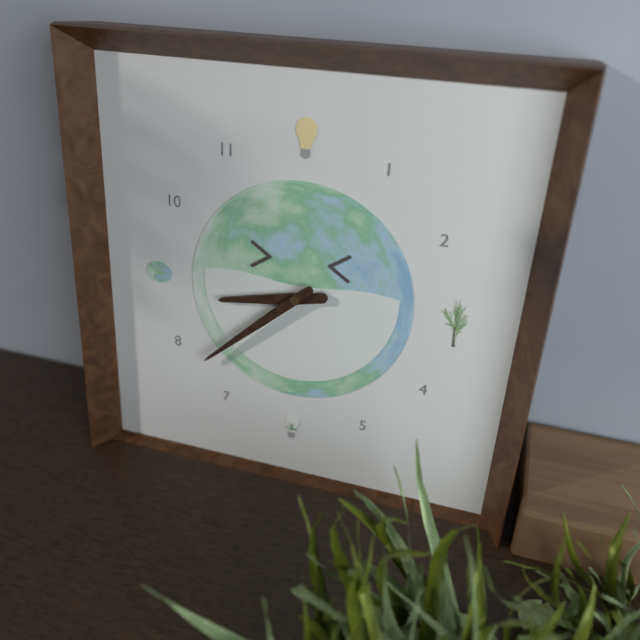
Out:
8.38
